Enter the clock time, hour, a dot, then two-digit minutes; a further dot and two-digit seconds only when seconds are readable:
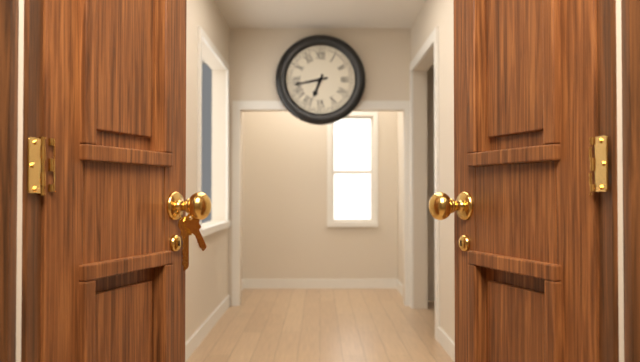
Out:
6.43
